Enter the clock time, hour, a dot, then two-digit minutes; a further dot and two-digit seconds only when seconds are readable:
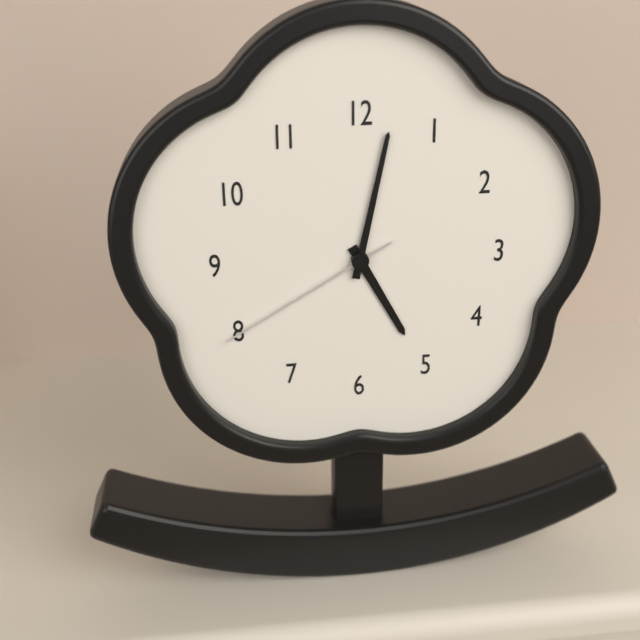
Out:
5.02.40
